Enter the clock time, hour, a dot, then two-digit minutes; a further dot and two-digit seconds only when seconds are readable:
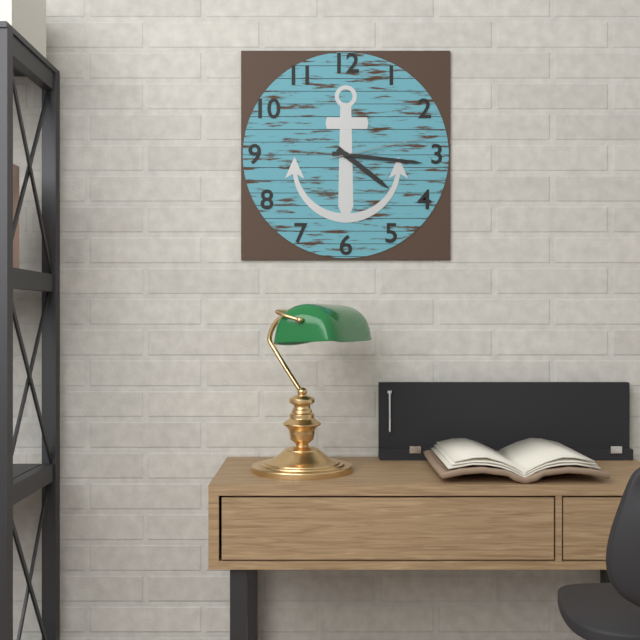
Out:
4.16.13
